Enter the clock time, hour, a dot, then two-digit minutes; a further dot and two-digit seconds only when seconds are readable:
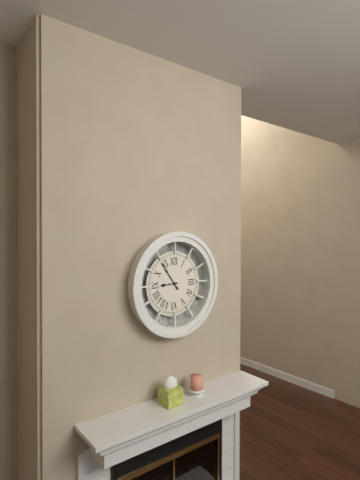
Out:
8.54
